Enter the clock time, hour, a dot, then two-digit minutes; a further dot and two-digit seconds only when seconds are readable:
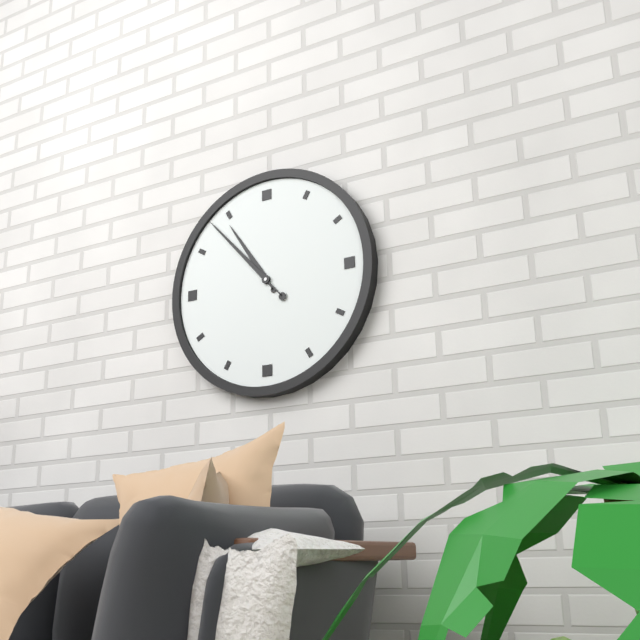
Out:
10.53
